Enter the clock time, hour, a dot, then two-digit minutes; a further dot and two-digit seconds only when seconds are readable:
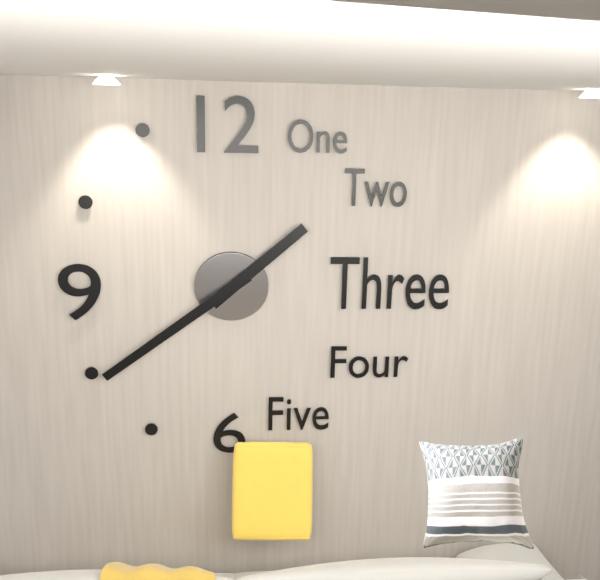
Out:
1.39
